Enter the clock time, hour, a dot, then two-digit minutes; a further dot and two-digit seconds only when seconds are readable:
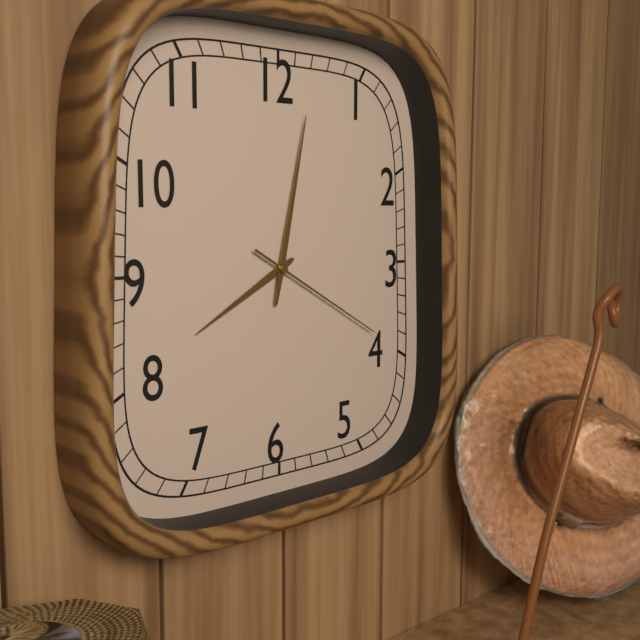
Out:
8.02.20
